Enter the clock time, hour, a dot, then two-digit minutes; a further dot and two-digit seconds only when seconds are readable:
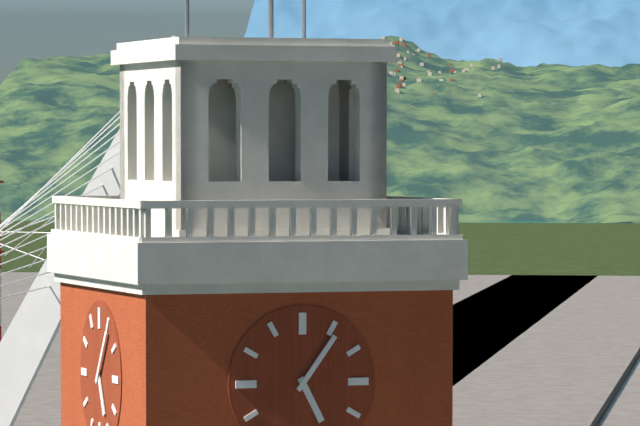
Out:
5.06
